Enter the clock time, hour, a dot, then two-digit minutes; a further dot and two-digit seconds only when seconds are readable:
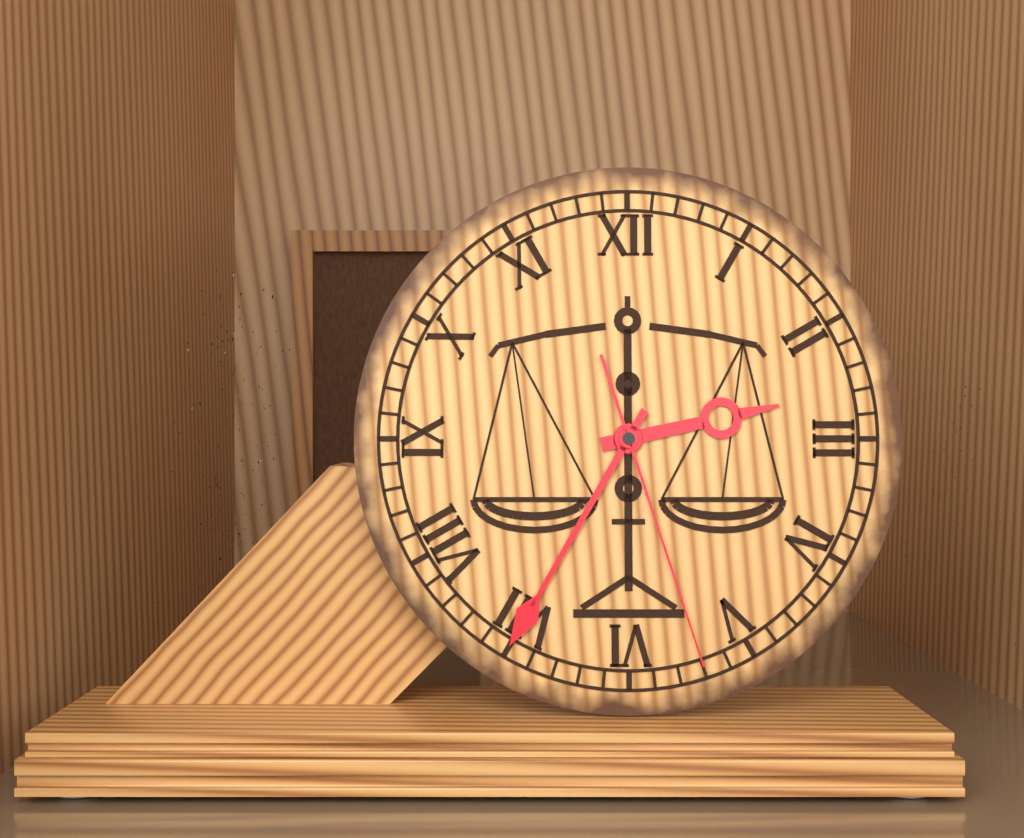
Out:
2.35.27
